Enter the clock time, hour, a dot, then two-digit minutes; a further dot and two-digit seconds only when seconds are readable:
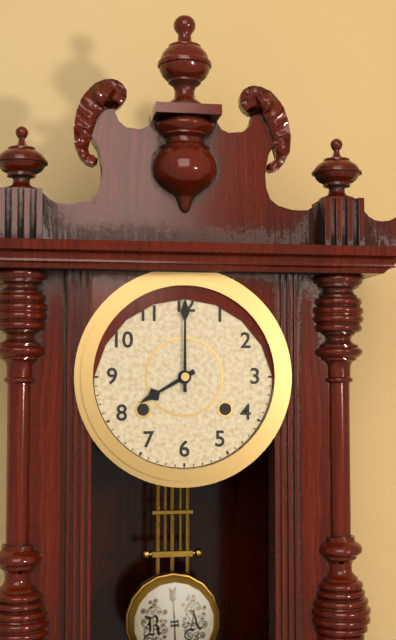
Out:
8.00
